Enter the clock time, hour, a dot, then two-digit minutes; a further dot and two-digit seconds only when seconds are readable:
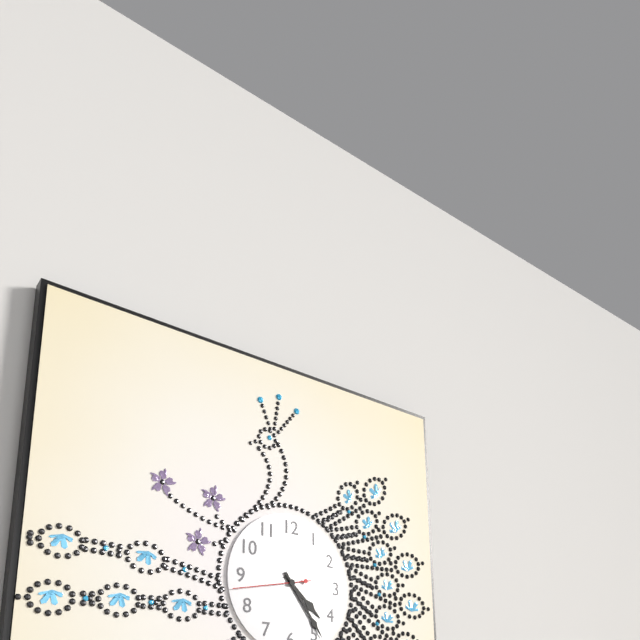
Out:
4.24.43
